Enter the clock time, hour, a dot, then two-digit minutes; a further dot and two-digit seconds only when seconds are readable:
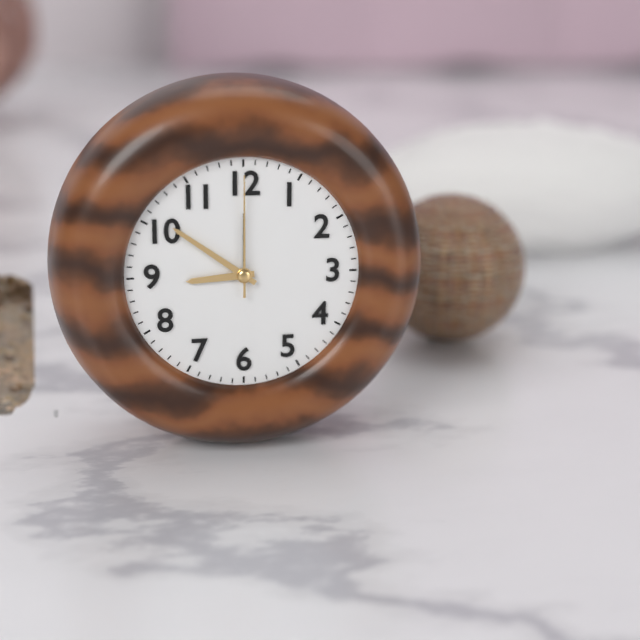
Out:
8.51.00
